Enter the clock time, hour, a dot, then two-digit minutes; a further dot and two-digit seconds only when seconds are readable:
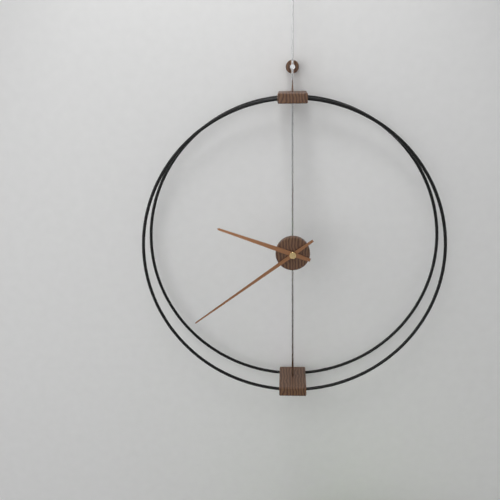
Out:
9.39
